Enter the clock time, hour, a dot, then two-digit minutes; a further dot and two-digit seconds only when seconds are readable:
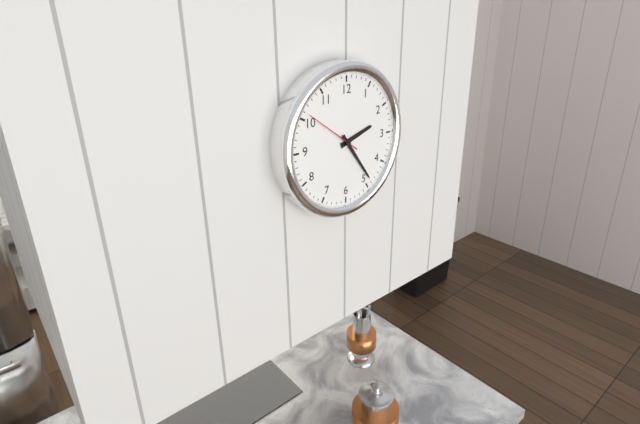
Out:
2.24.51
